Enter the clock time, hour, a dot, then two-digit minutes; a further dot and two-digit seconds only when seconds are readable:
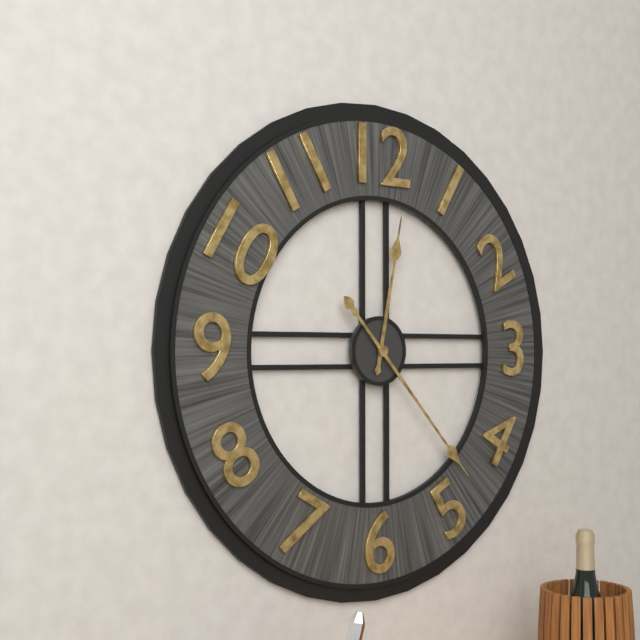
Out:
12.23
